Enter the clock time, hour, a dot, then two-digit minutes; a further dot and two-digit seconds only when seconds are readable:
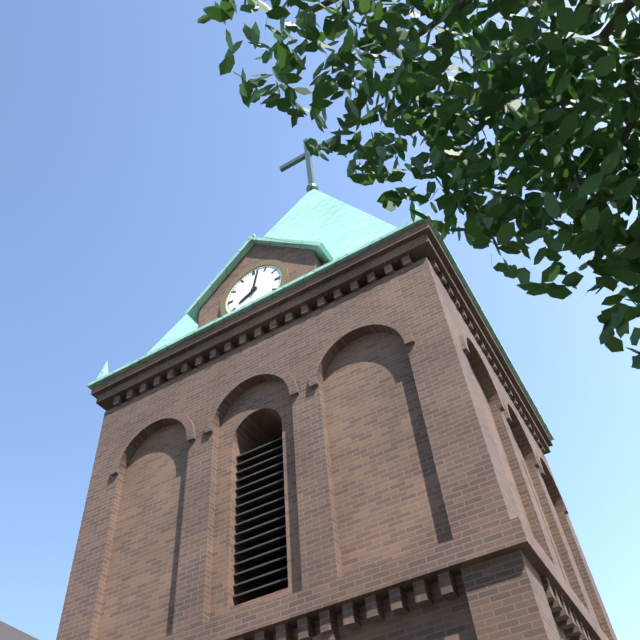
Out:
8.02
